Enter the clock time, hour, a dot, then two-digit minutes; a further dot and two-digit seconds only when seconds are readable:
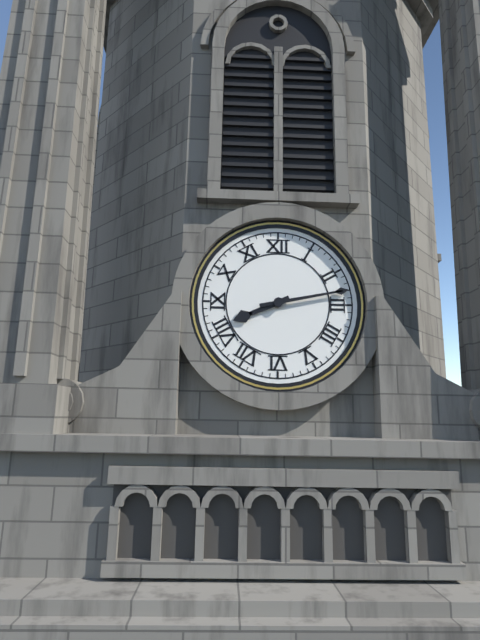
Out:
8.13
